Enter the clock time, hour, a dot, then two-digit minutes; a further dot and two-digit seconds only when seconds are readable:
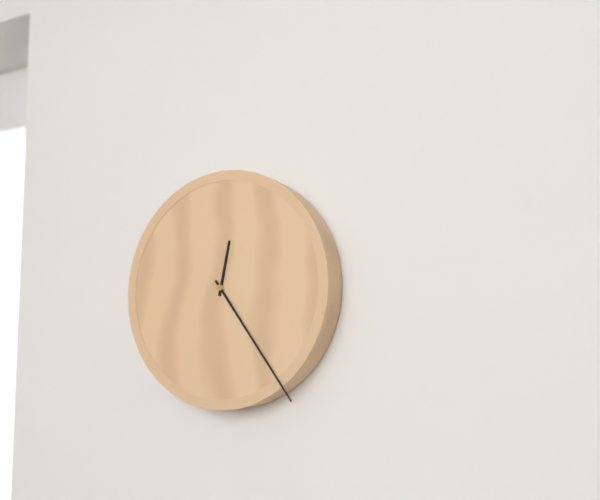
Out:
12.24
